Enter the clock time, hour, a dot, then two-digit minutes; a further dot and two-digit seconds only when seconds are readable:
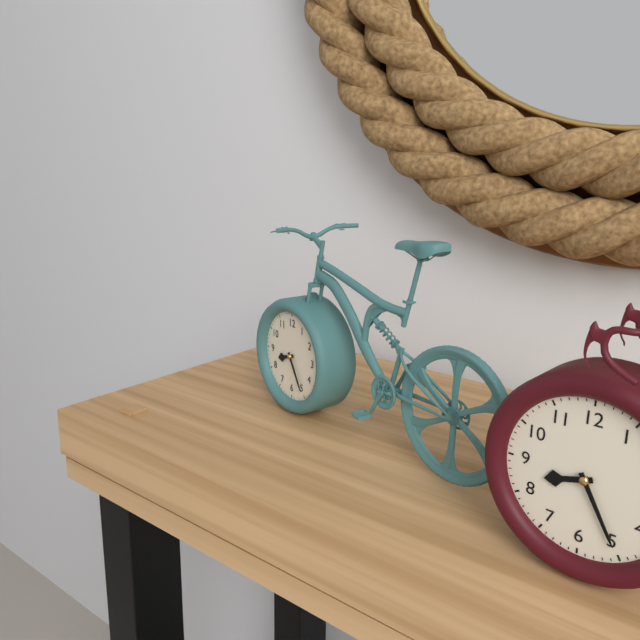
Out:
8.25
